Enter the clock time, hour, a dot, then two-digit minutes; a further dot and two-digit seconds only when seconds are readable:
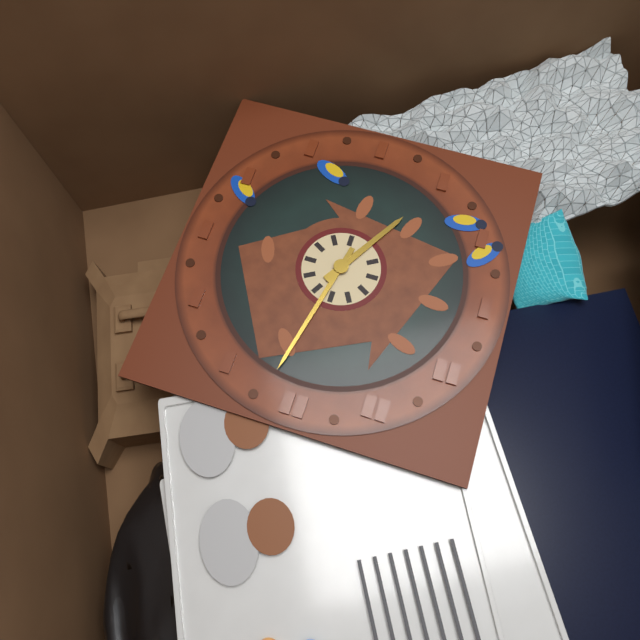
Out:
7.02
